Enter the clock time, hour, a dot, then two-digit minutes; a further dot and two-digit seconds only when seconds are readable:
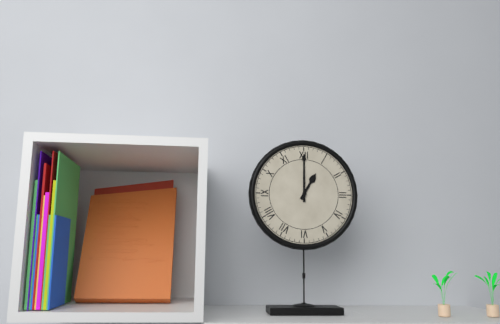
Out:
1.00
